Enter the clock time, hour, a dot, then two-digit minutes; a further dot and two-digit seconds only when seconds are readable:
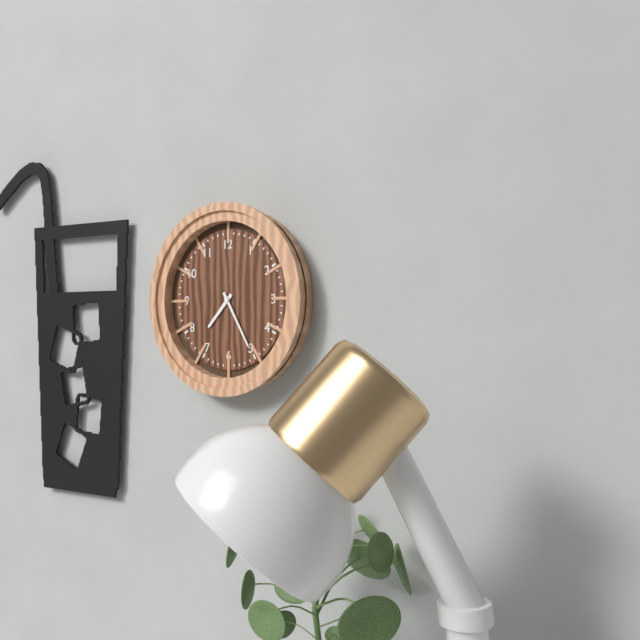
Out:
7.25
